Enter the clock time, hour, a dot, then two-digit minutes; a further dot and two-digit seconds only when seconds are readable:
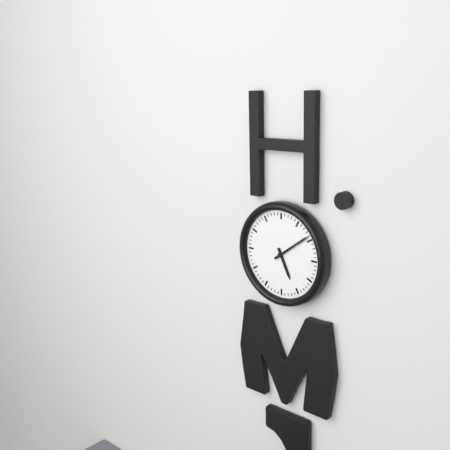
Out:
5.09
